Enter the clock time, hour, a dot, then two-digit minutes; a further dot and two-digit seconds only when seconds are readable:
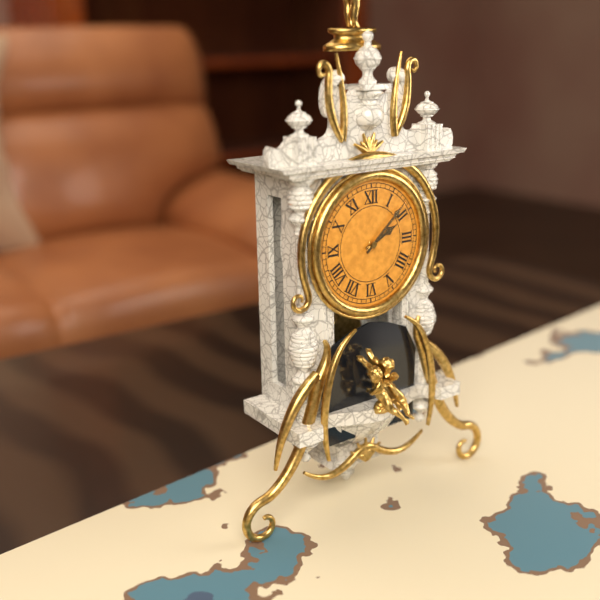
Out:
2.08
